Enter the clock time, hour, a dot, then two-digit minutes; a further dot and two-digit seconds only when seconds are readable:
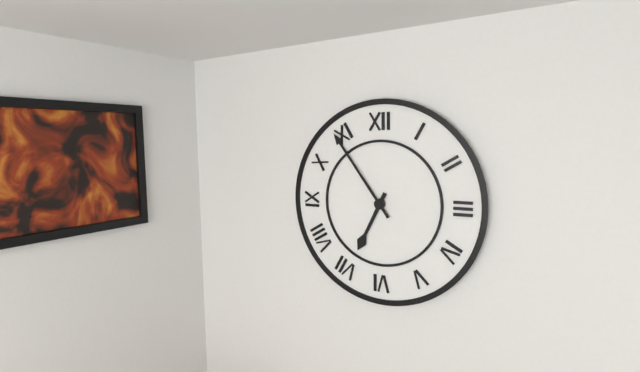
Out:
6.54
